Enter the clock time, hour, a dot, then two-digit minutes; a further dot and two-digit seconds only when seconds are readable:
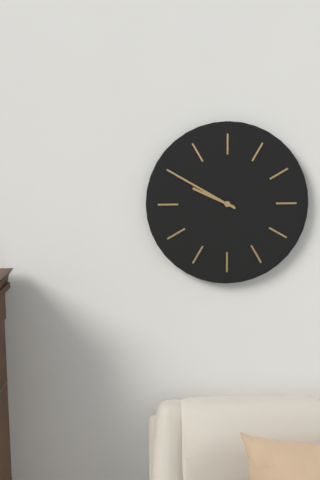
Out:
9.50
